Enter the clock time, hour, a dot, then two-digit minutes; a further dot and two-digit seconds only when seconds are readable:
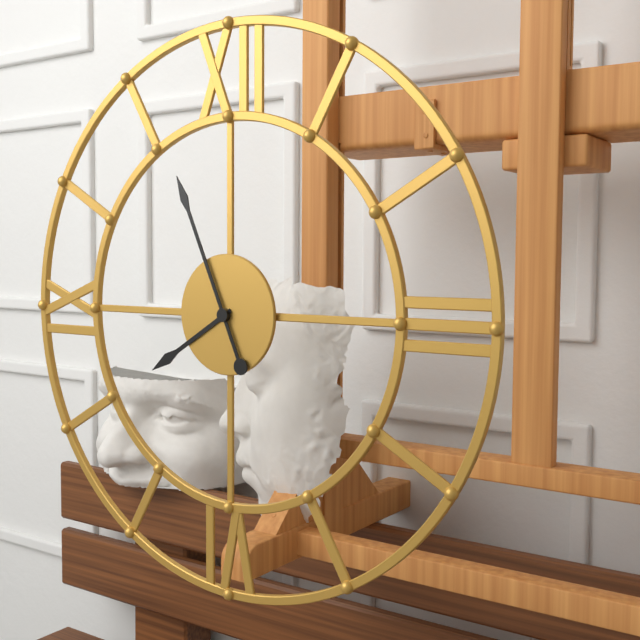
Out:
7.56
